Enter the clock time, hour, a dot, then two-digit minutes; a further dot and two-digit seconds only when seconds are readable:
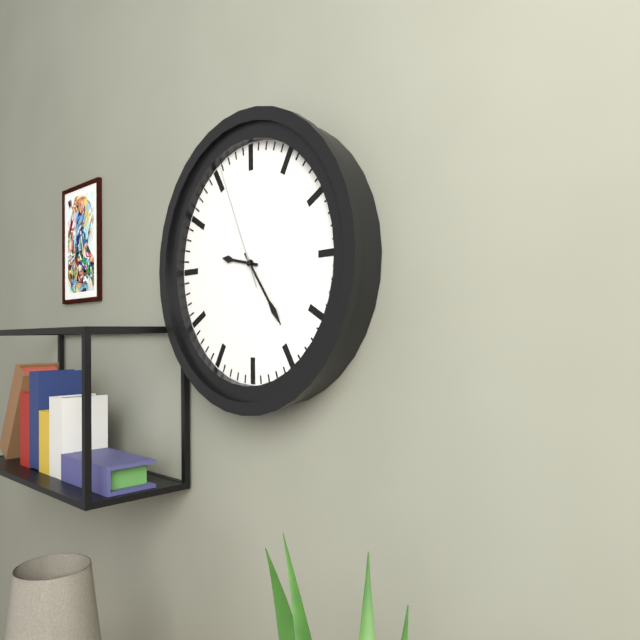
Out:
9.24.56
